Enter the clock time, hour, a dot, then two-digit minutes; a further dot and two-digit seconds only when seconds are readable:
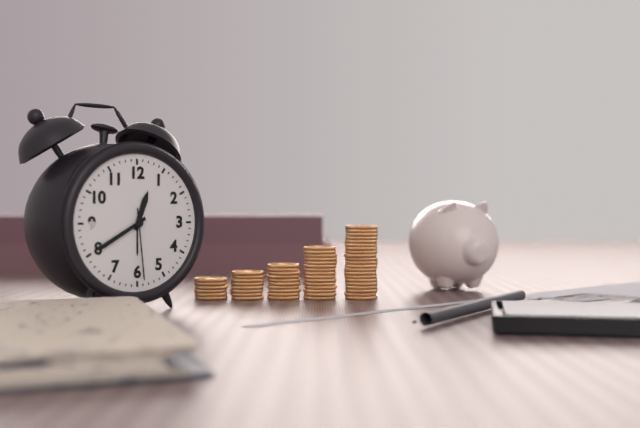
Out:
12.40.29
